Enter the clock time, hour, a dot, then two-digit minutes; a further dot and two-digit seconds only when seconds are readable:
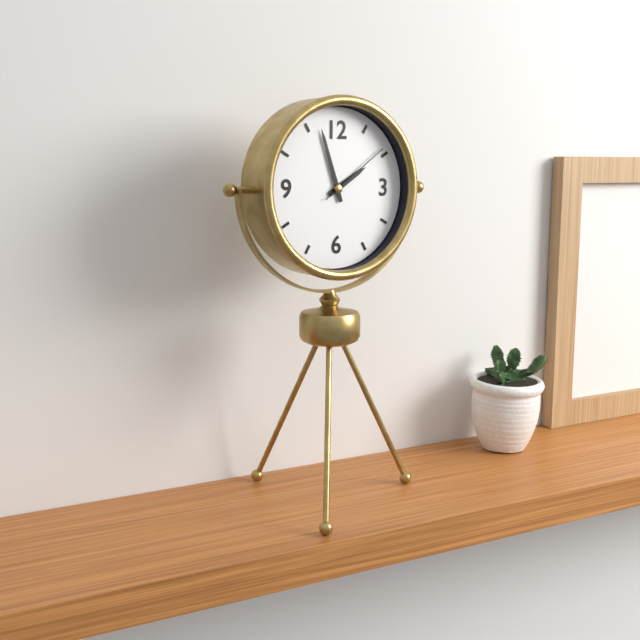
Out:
1.57.09
